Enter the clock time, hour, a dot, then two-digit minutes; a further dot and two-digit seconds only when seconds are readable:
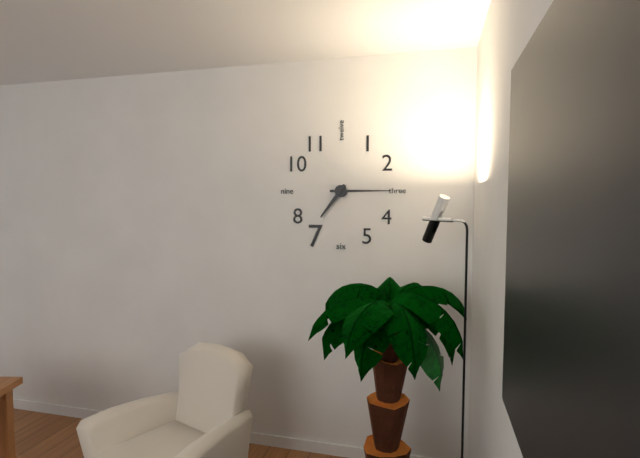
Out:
7.15
